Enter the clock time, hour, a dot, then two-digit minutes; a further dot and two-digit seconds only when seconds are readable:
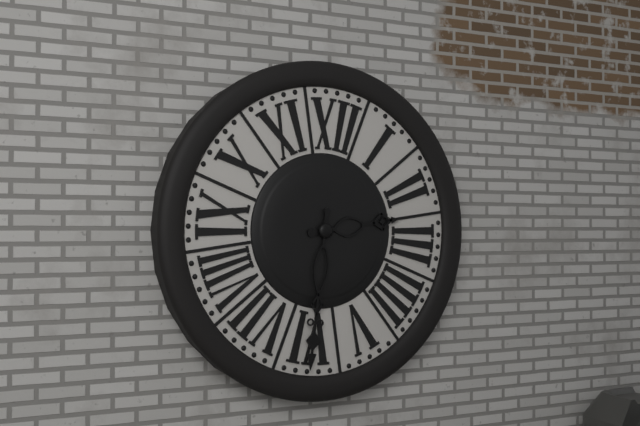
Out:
2.30
